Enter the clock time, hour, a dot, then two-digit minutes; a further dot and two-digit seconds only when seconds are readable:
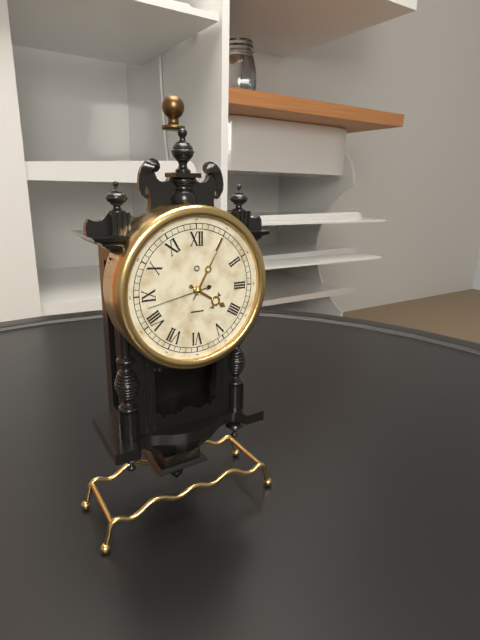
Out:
4.05.43
